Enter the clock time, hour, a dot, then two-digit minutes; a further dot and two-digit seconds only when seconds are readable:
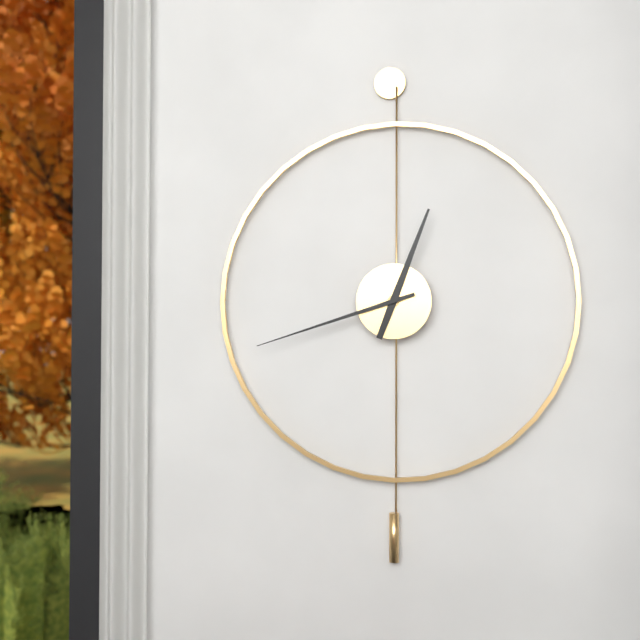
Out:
12.42
